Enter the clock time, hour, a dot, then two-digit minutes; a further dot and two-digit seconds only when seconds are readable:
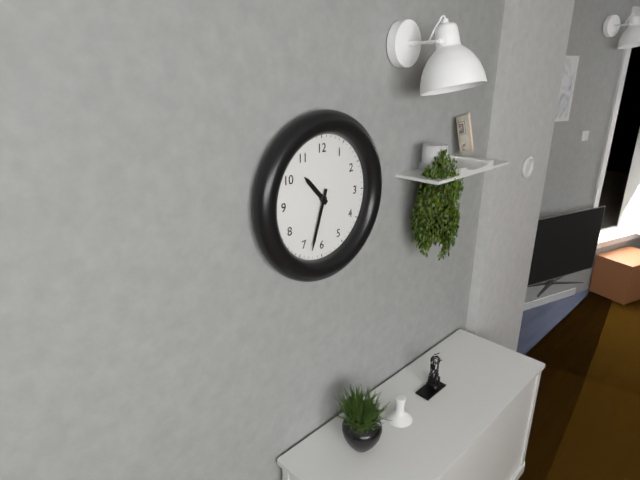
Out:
10.33
